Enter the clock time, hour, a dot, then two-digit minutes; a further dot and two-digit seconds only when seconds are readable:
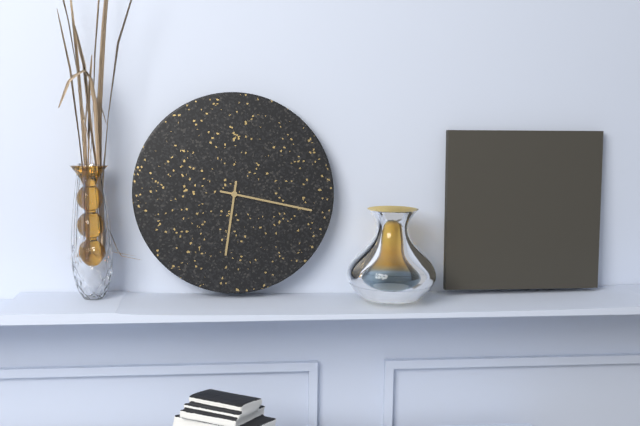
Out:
6.17
